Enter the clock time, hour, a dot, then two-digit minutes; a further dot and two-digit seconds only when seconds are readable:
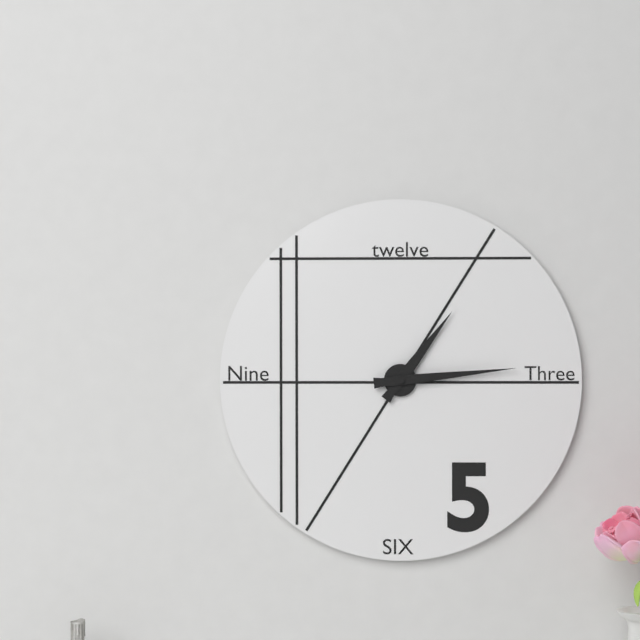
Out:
1.14
